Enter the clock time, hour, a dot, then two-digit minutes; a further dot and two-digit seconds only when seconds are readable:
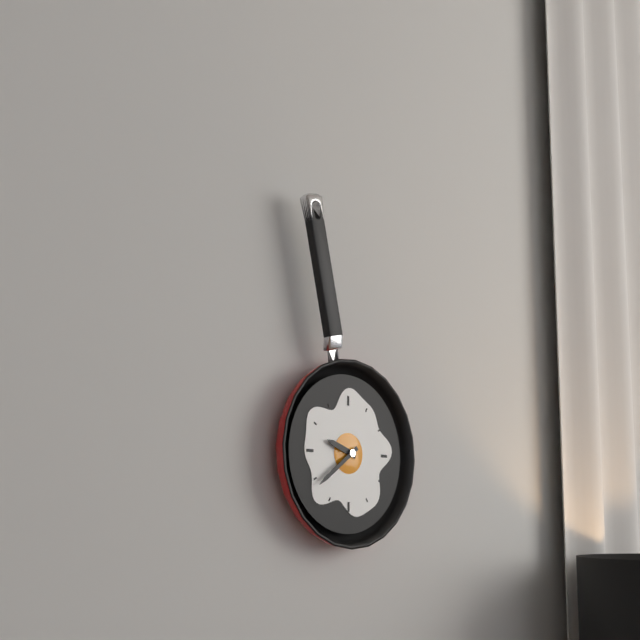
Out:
9.39
